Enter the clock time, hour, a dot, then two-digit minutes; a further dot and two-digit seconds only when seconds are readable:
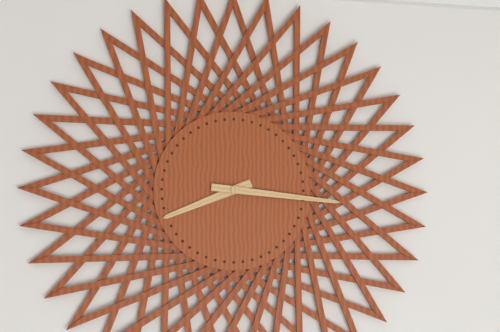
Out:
8.16
